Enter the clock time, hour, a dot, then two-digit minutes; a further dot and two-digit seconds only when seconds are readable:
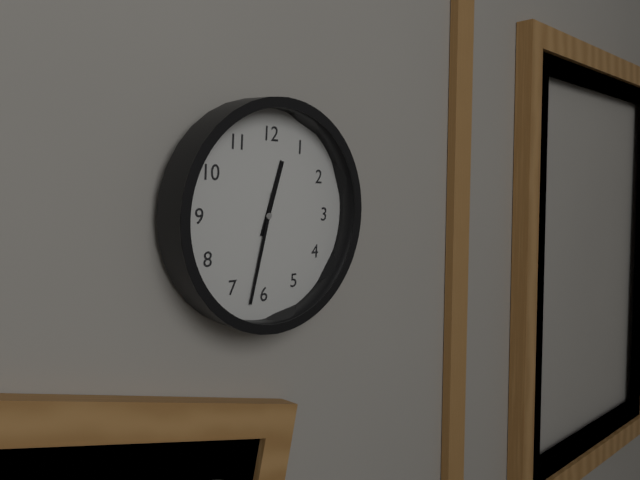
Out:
12.32
